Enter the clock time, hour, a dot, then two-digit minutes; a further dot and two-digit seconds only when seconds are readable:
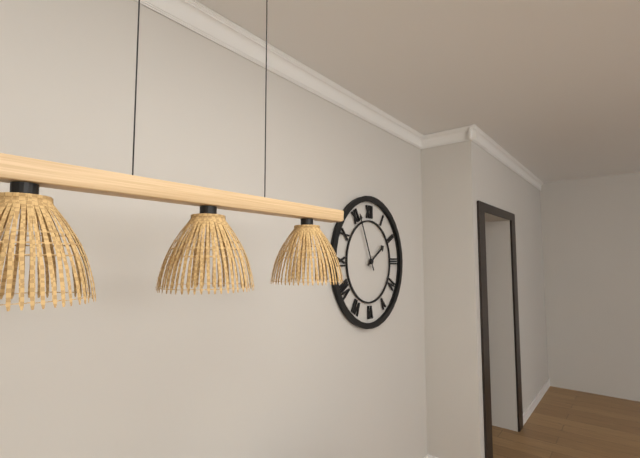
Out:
1.56
